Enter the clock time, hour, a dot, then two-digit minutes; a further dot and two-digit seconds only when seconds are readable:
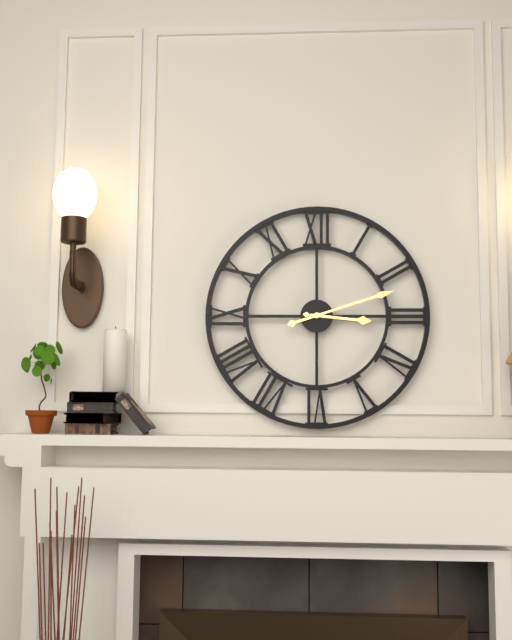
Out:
3.12
